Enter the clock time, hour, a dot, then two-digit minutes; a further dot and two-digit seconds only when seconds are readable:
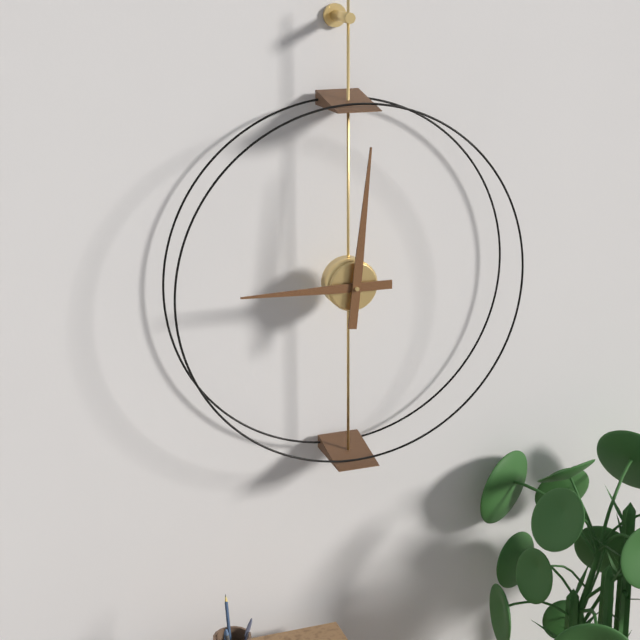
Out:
9.01
